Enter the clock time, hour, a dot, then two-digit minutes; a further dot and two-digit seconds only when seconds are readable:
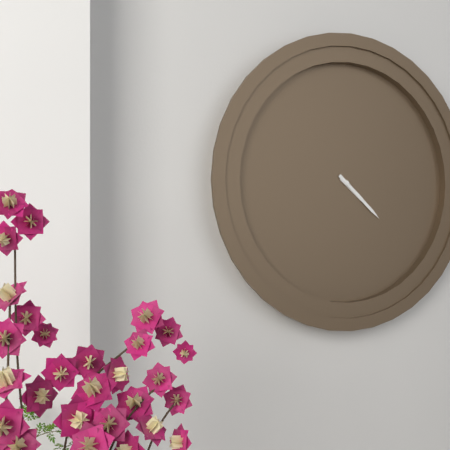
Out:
4.22
